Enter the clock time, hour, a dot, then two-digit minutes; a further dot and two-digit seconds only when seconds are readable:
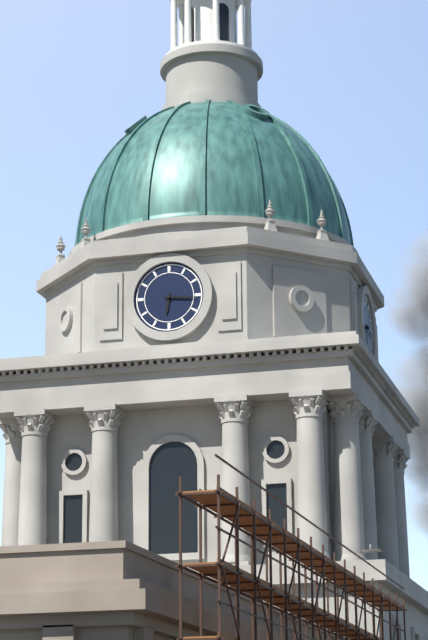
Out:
6.16
